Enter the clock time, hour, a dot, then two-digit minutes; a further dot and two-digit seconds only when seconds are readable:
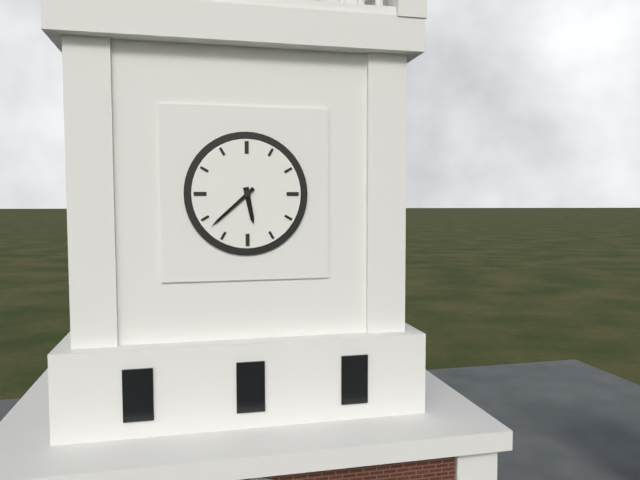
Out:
5.38
